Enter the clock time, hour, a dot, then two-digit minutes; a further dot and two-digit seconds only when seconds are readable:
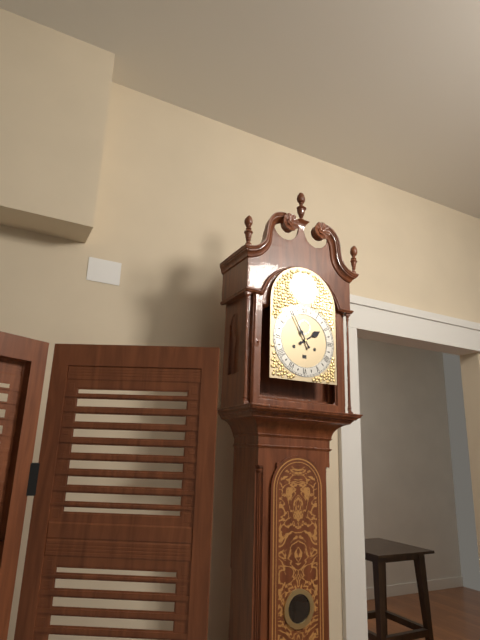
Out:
1.55
